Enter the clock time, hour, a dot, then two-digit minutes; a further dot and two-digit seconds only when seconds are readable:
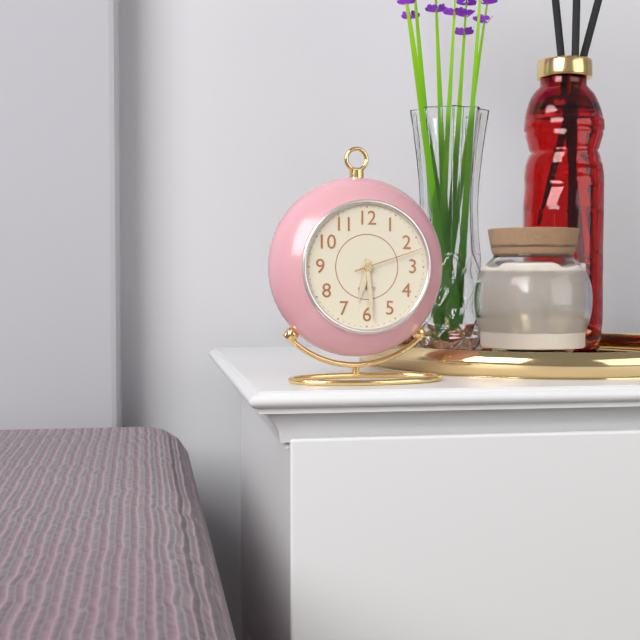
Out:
6.29.12
